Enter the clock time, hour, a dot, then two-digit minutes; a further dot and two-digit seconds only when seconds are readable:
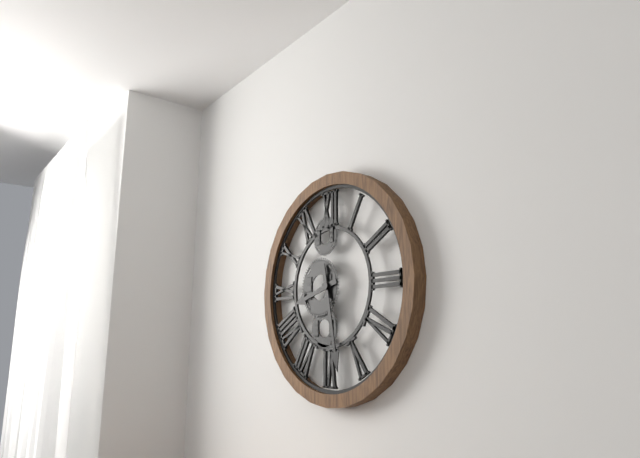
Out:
8.28
